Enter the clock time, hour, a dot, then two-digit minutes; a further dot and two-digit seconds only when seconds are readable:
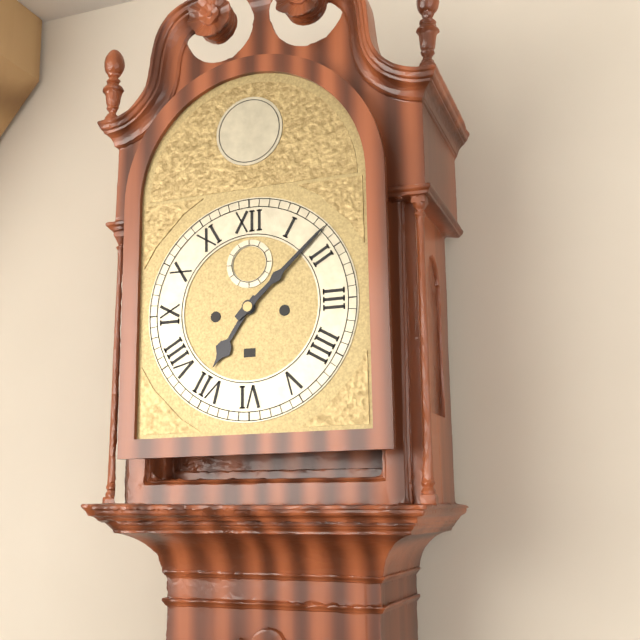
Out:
7.08
